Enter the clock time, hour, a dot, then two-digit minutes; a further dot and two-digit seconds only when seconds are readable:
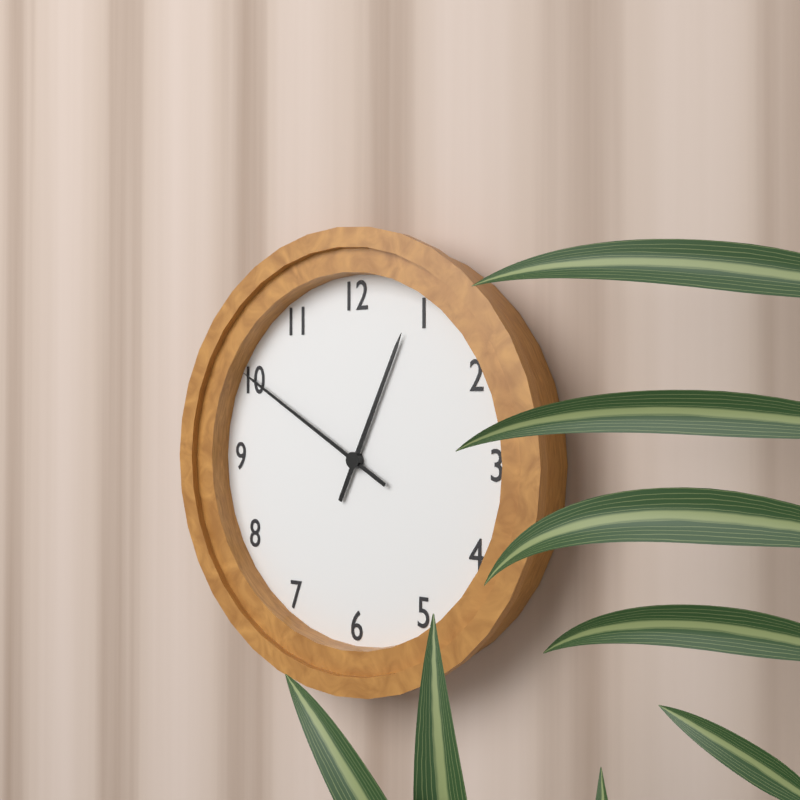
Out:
12.50
